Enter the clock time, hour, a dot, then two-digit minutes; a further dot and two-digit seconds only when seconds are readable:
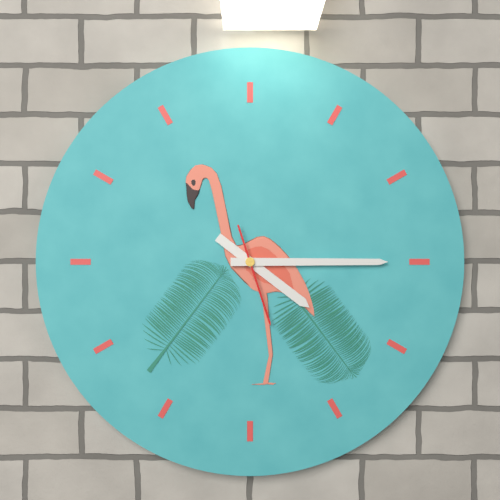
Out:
4.15.27
